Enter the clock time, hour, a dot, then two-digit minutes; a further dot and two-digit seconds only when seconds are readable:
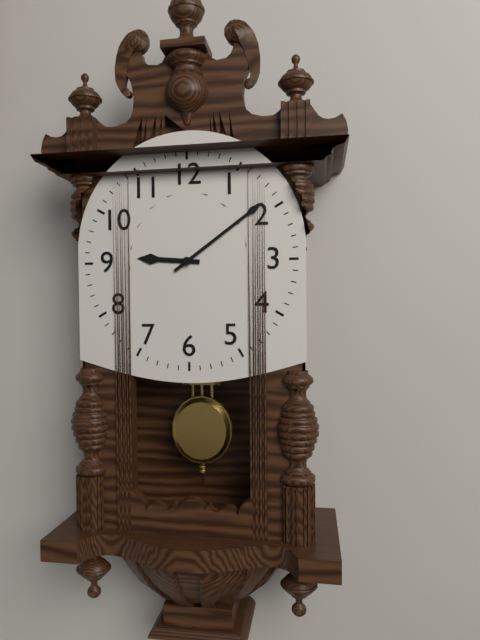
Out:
9.09
